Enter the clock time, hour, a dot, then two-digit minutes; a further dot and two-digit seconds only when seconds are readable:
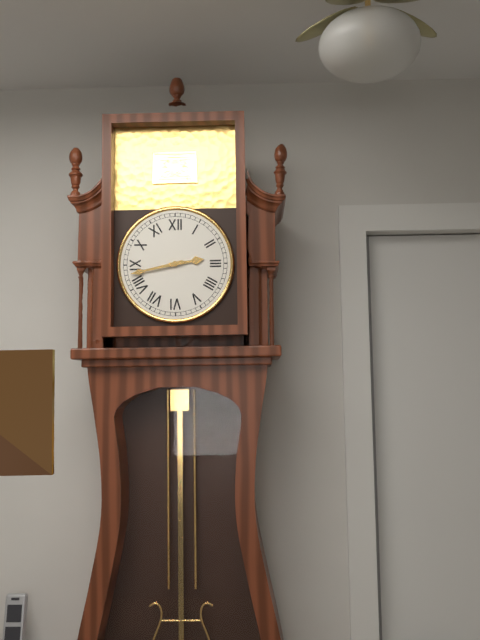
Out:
2.43
